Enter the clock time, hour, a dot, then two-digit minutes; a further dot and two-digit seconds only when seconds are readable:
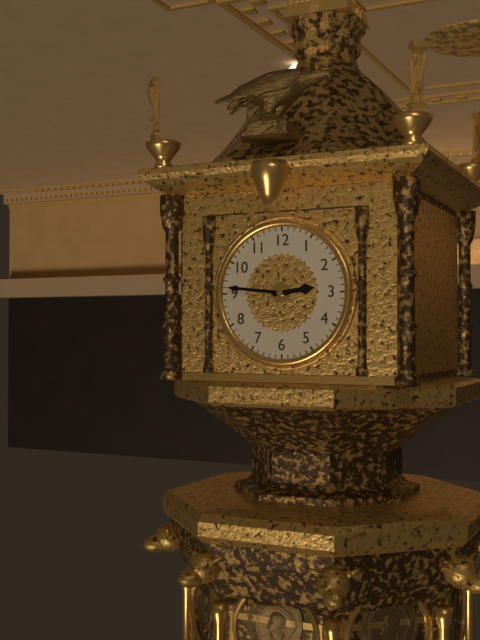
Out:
2.46
